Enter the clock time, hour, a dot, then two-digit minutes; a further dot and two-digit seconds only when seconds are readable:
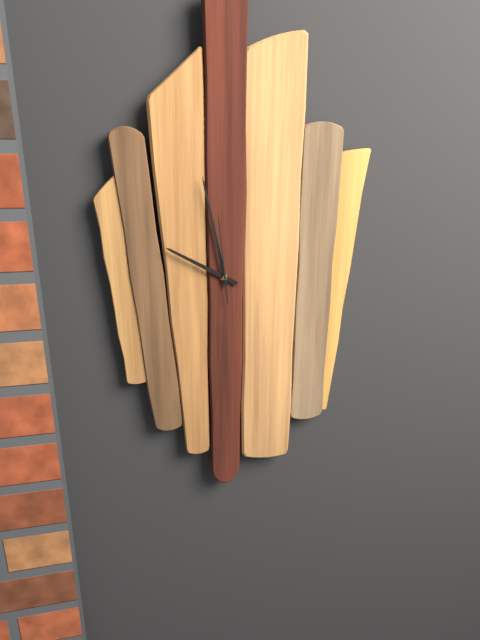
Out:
9.58.59
